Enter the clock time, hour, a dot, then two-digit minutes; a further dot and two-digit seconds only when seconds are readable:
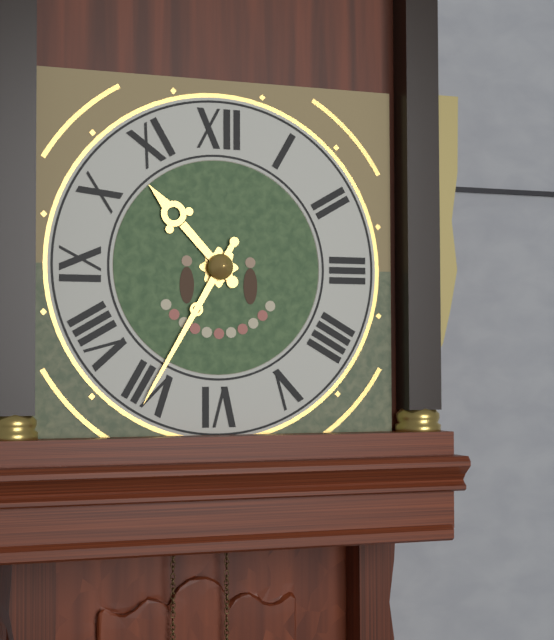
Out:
10.35
